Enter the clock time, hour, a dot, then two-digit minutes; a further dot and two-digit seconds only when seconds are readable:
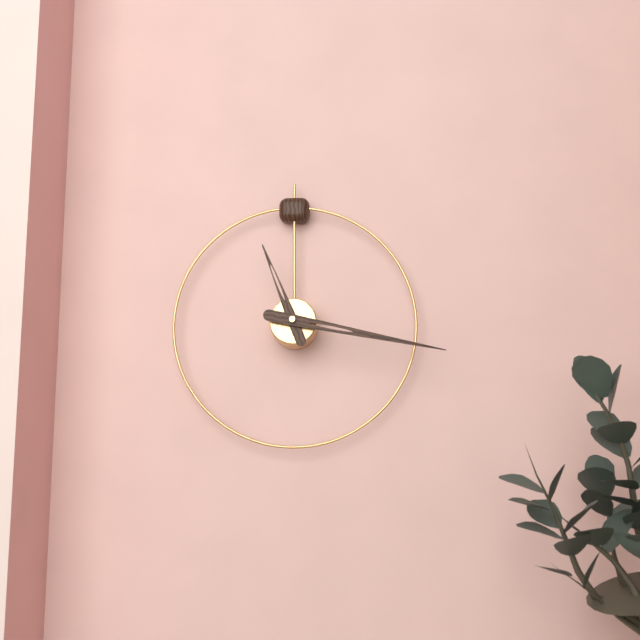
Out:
11.17
